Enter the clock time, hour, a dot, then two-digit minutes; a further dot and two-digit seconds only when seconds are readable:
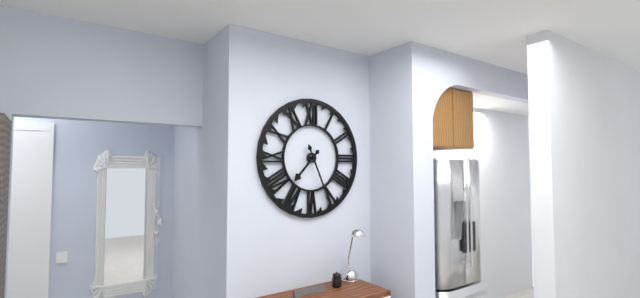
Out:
7.26
